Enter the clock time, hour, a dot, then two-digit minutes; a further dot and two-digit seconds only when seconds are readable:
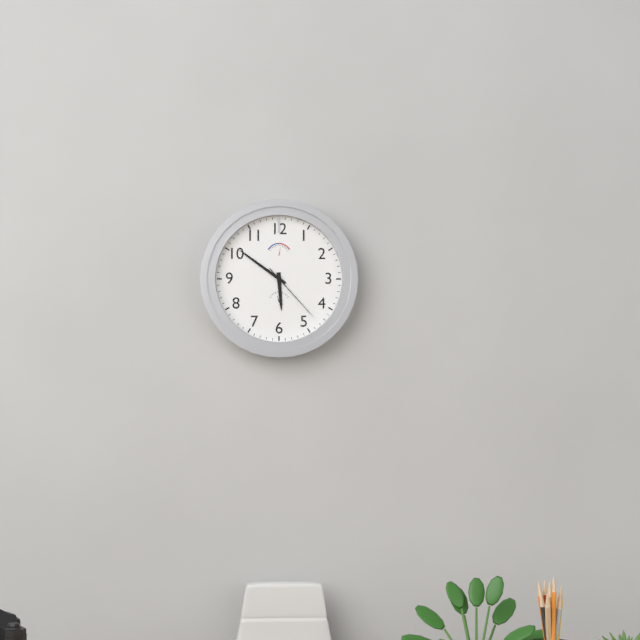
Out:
5.51.23
